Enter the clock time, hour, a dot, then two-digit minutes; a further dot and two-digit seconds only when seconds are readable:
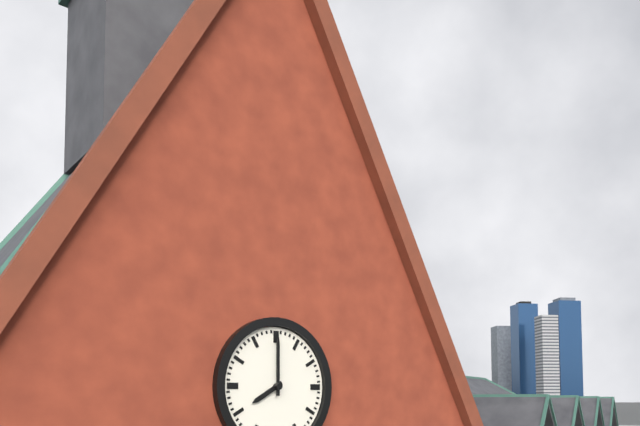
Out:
8.00
